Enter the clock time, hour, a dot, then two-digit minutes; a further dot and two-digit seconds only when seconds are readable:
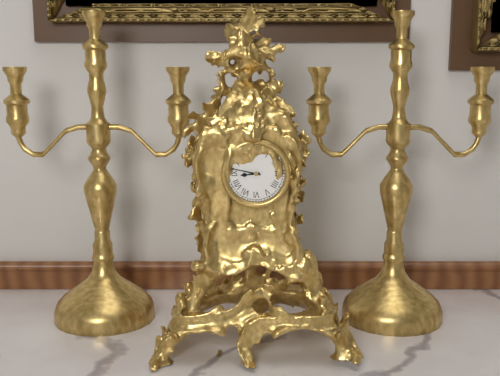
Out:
8.47
